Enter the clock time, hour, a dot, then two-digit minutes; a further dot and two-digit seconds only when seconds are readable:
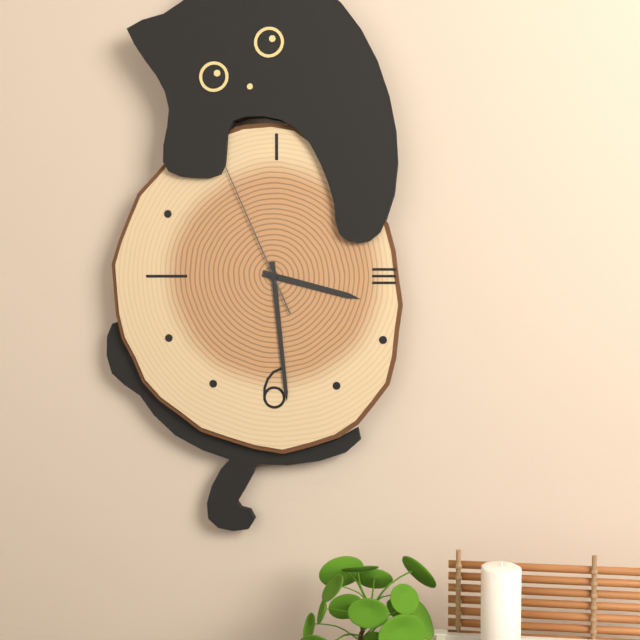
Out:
3.29.56
